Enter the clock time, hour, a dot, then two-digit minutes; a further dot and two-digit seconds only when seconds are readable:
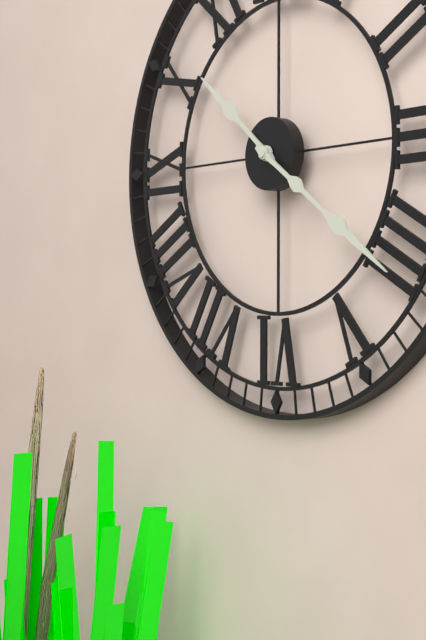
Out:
10.21
